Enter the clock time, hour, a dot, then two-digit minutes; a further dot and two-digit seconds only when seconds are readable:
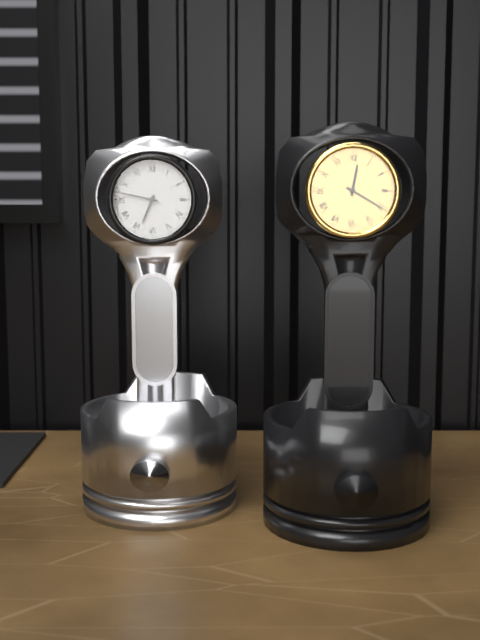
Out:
6.47
